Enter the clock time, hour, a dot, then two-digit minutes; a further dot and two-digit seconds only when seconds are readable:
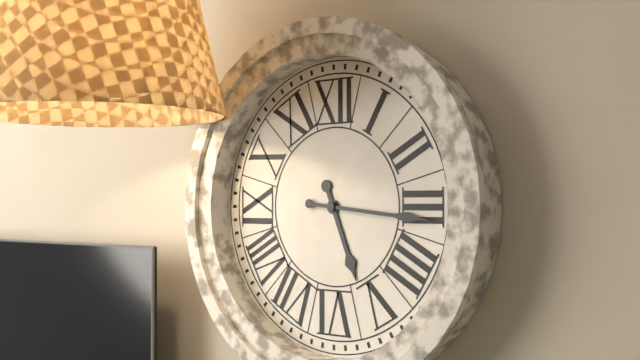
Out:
5.16
